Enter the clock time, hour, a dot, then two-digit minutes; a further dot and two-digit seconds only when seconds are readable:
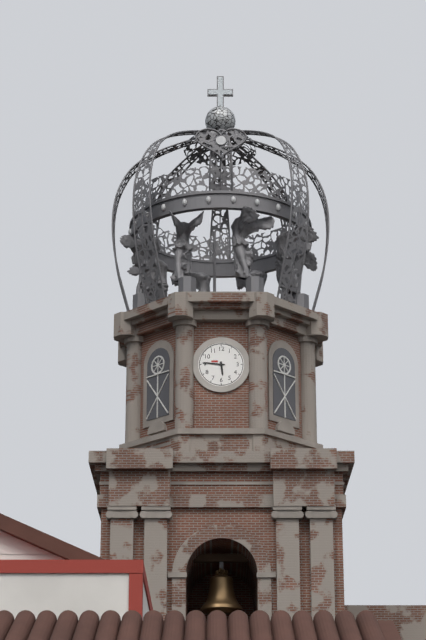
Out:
5.46
